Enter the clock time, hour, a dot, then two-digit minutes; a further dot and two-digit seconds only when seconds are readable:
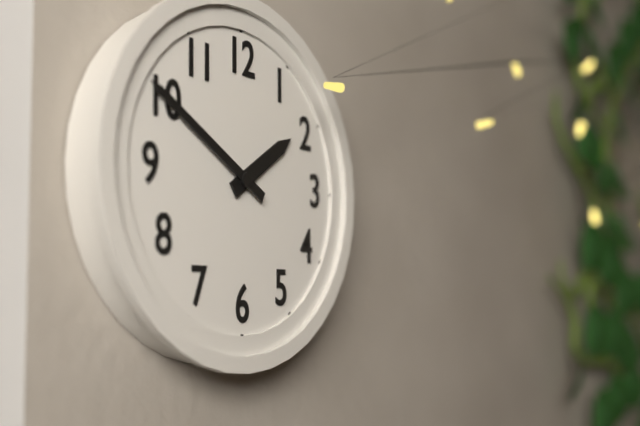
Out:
1.50
